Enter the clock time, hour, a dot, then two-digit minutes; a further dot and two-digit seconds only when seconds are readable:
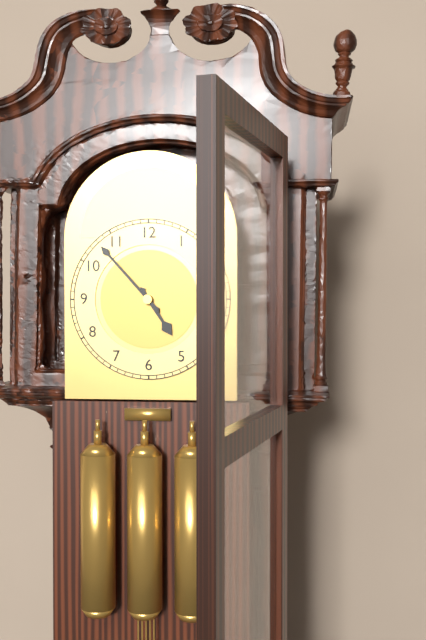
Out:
4.53
